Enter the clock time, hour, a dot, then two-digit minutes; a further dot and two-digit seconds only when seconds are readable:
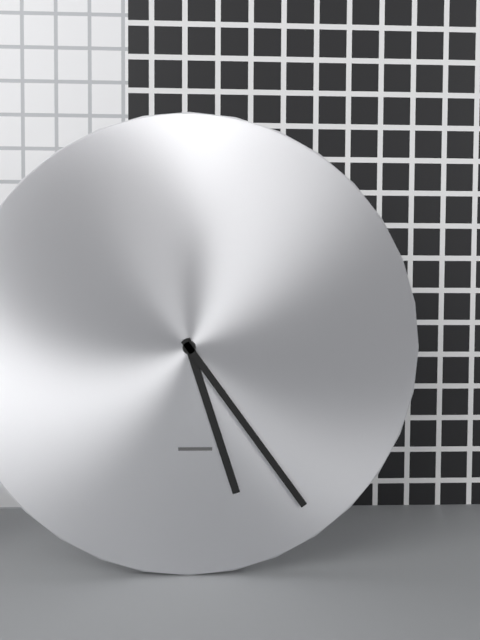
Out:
5.24
